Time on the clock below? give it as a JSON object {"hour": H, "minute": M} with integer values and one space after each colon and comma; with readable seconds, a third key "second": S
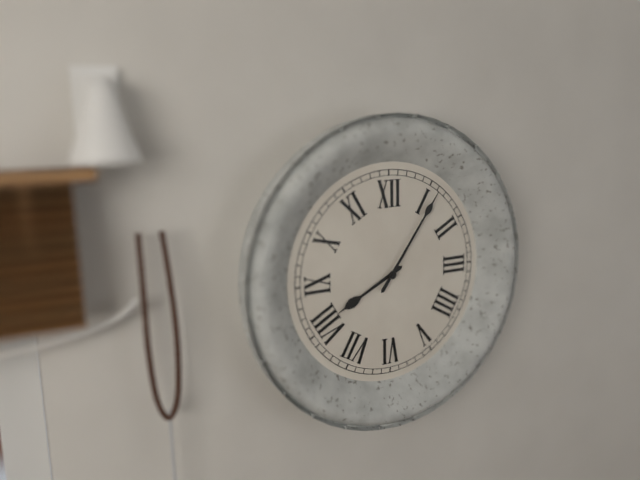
{"hour": 8, "minute": 6}
